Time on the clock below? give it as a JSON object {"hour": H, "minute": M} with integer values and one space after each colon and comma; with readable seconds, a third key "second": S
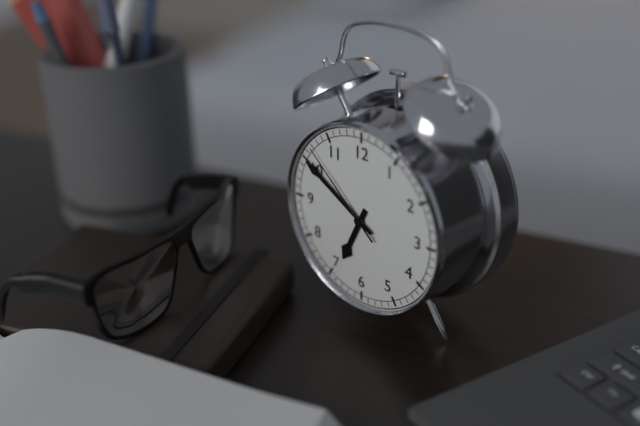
{"hour": 6, "minute": 50, "second": 52}
